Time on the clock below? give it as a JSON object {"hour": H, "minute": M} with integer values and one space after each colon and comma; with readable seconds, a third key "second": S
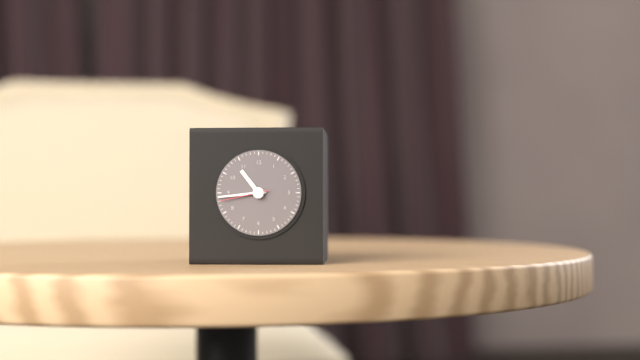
{"hour": 10, "minute": 44}
